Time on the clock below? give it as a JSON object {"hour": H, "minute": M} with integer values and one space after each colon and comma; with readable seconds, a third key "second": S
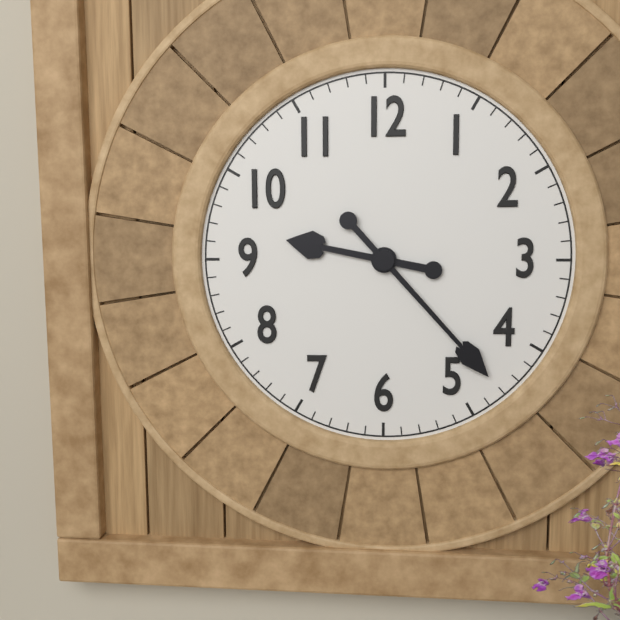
{"hour": 9, "minute": 23}
